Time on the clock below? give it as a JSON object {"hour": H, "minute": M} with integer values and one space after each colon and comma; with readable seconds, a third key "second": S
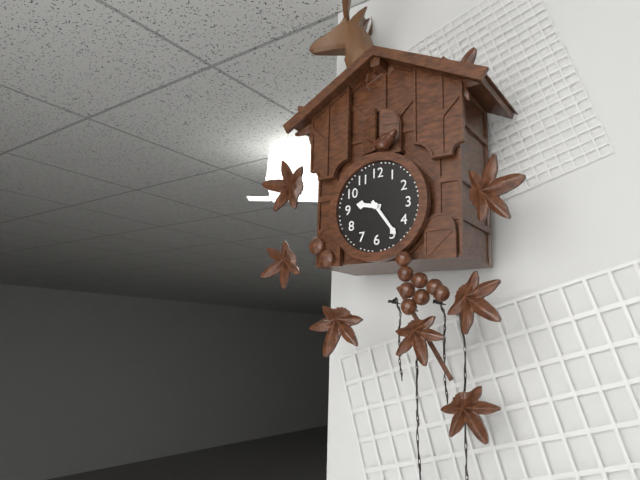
{"hour": 9, "minute": 24}
